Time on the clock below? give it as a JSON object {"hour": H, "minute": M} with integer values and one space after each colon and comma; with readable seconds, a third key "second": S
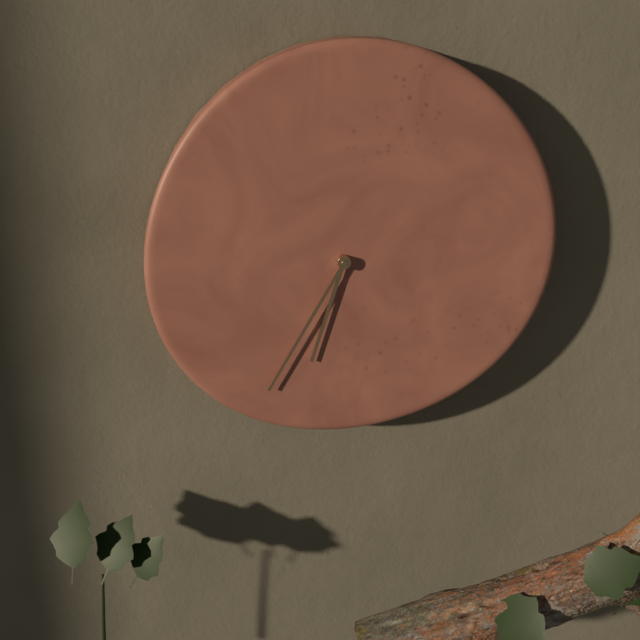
{"hour": 6, "minute": 35}
